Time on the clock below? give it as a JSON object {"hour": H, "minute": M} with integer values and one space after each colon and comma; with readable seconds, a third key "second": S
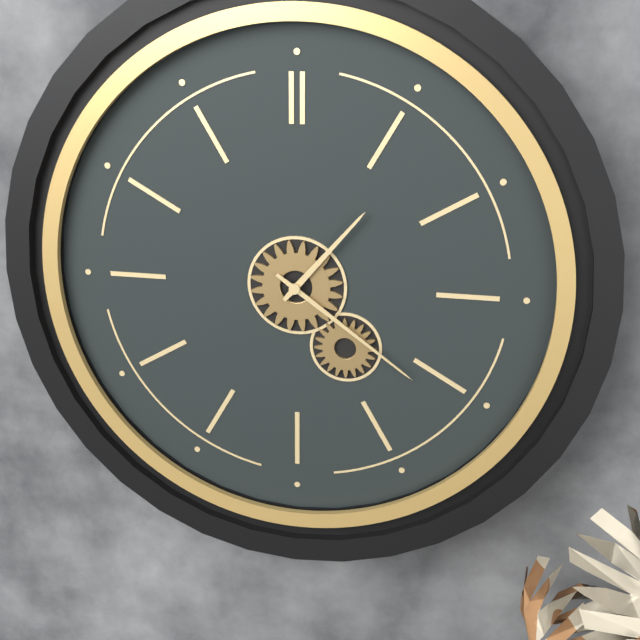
{"hour": 1, "minute": 21}
